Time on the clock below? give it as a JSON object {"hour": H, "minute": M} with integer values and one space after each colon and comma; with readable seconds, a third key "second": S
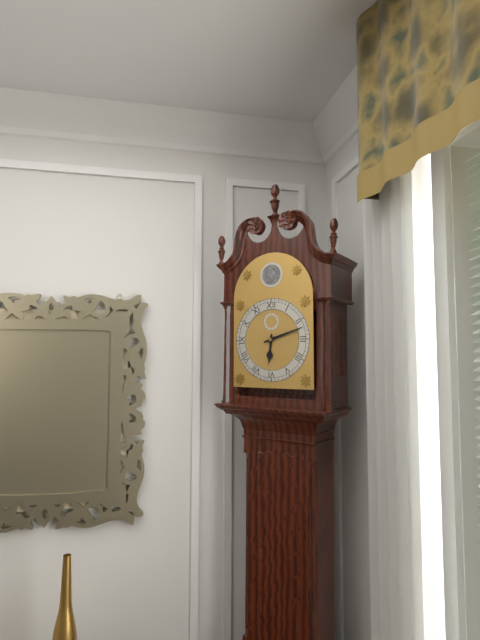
{"hour": 6, "minute": 12}
